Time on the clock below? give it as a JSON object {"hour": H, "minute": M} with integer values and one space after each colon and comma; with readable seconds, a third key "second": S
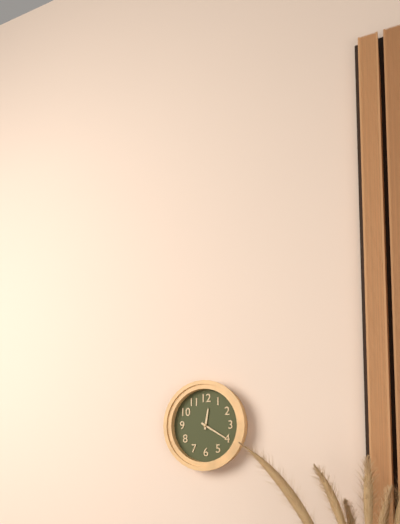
{"hour": 12, "minute": 20}
